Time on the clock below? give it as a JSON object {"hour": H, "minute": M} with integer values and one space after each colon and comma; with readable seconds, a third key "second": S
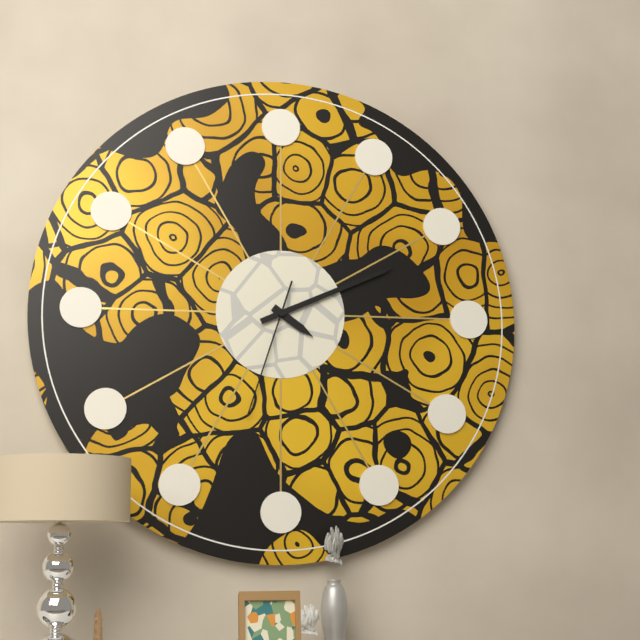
{"hour": 4, "minute": 11, "second": 33}
